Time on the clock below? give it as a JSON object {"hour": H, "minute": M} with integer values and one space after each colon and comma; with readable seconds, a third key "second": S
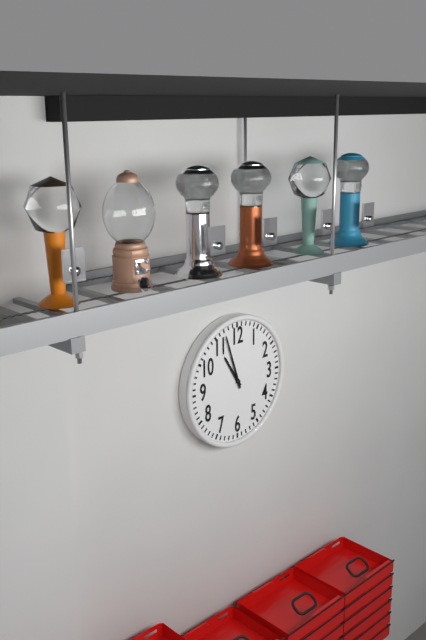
{"hour": 10, "minute": 57}
